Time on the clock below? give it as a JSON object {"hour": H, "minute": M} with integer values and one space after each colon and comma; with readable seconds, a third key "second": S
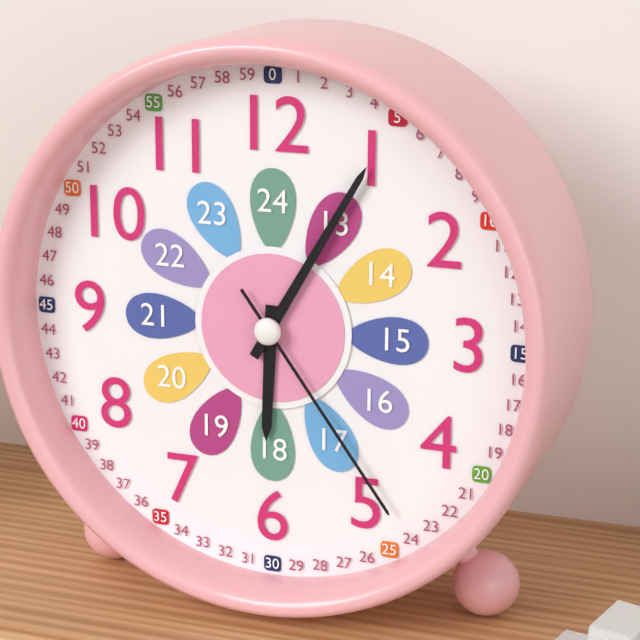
{"hour": 6, "minute": 5, "second": 24}
